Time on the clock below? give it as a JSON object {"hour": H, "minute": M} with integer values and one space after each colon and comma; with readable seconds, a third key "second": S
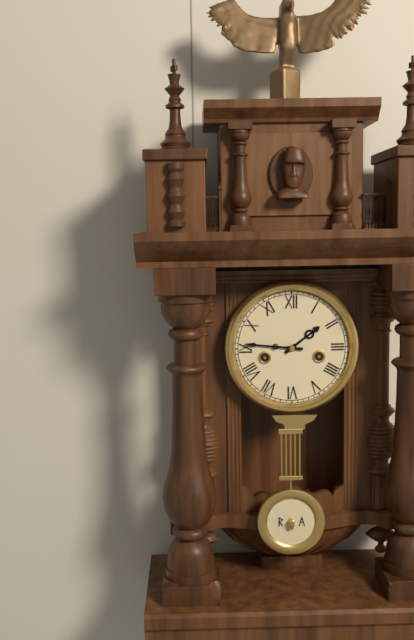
{"hour": 1, "minute": 46}
